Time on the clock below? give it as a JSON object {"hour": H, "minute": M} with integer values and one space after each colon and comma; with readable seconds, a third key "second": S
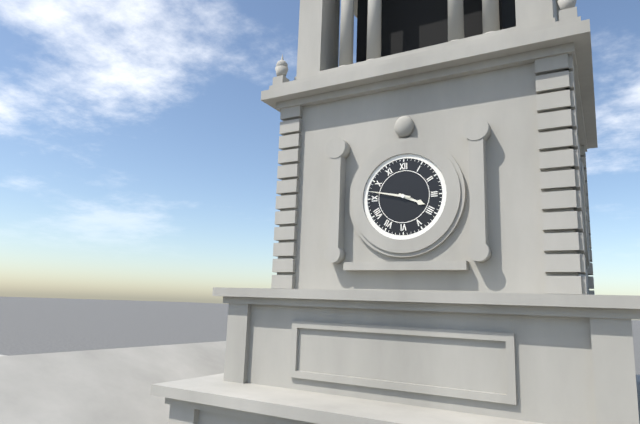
{"hour": 3, "minute": 47}
